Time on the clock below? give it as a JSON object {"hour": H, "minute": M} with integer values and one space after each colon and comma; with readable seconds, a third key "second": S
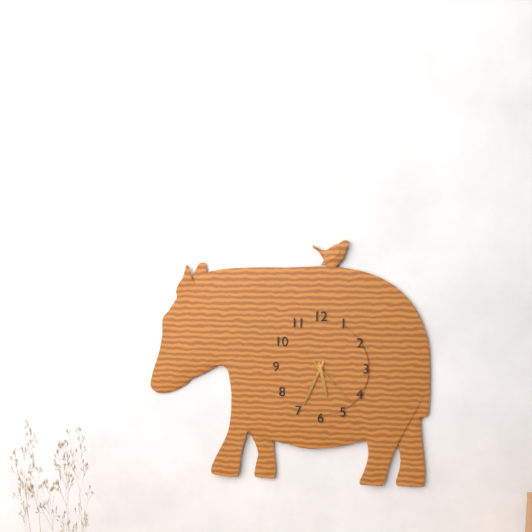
{"hour": 5, "minute": 34, "second": 23}
